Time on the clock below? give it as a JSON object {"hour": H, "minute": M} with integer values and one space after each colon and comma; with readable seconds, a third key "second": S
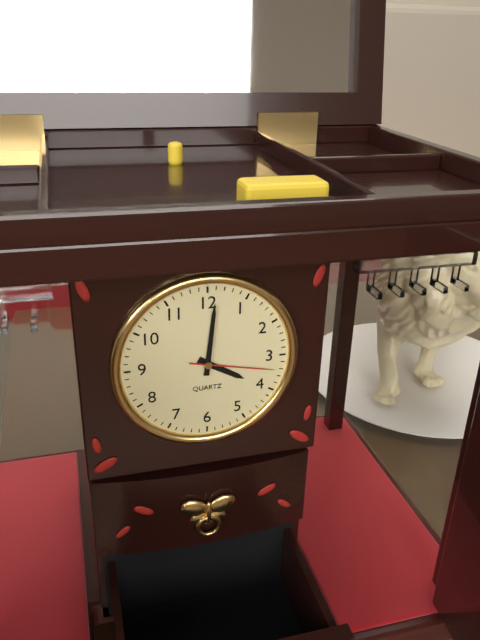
{"hour": 4, "minute": 1, "second": 17}
